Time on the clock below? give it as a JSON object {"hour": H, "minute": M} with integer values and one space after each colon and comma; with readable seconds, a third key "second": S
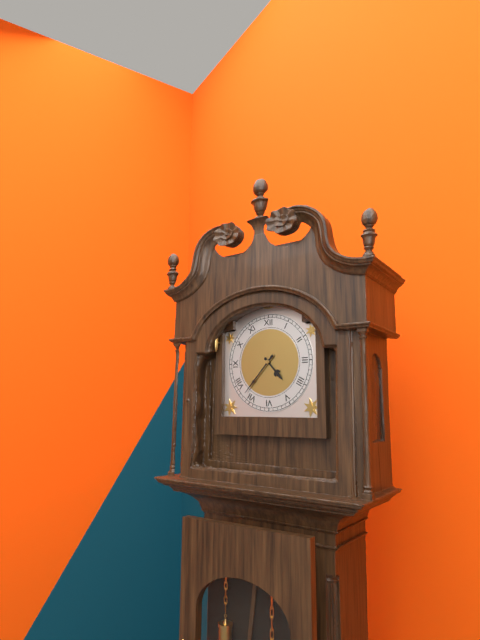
{"hour": 4, "minute": 37}
